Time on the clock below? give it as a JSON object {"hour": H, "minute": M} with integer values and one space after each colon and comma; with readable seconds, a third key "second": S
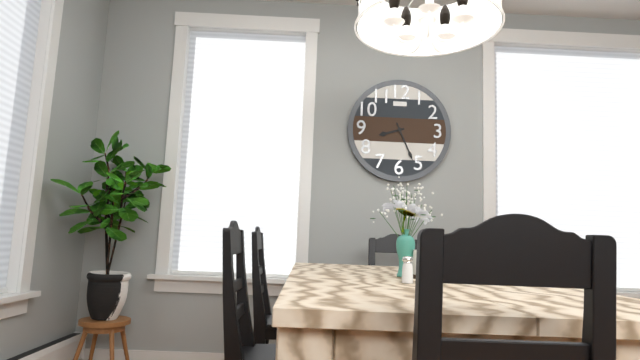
{"hour": 8, "minute": 26}
